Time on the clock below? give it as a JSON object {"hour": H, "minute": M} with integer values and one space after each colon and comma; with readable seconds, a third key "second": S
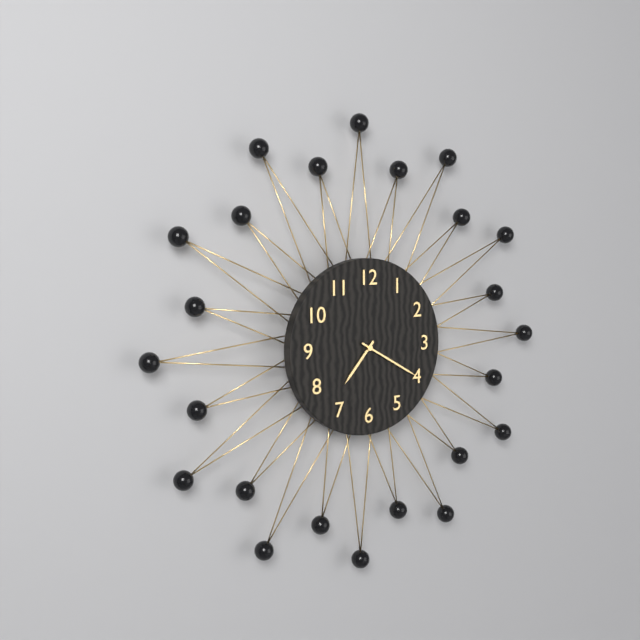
{"hour": 7, "minute": 20}
